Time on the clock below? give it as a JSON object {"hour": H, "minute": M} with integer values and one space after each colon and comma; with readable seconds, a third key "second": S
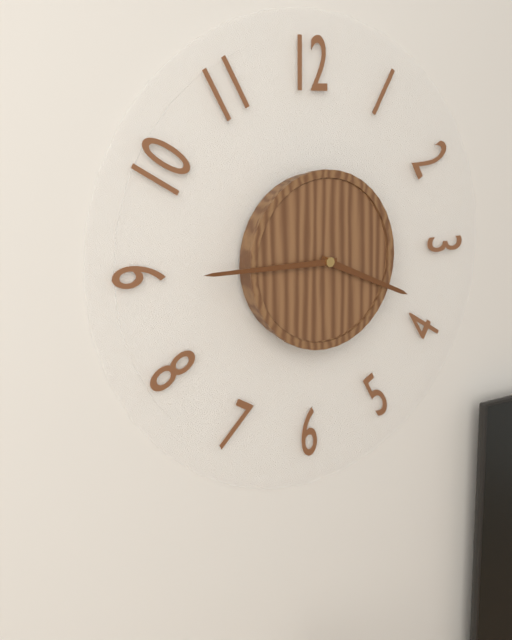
{"hour": 3, "minute": 45}
